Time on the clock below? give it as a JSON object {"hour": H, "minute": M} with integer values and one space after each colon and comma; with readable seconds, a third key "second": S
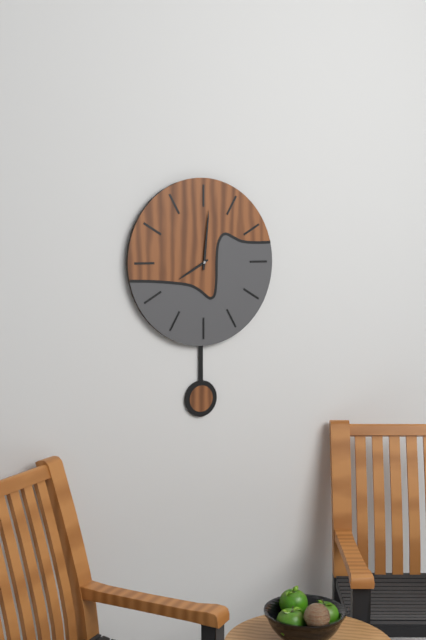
{"hour": 8, "minute": 1}
